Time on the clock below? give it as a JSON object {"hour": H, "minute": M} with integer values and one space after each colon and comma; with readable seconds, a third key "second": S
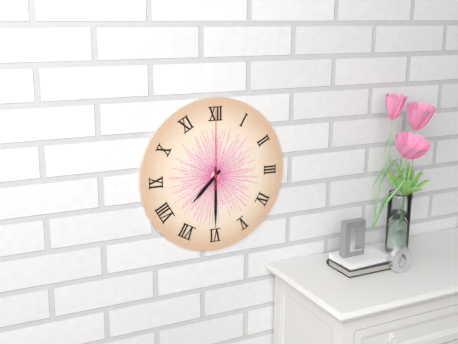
{"hour": 7, "minute": 30, "second": 0}
